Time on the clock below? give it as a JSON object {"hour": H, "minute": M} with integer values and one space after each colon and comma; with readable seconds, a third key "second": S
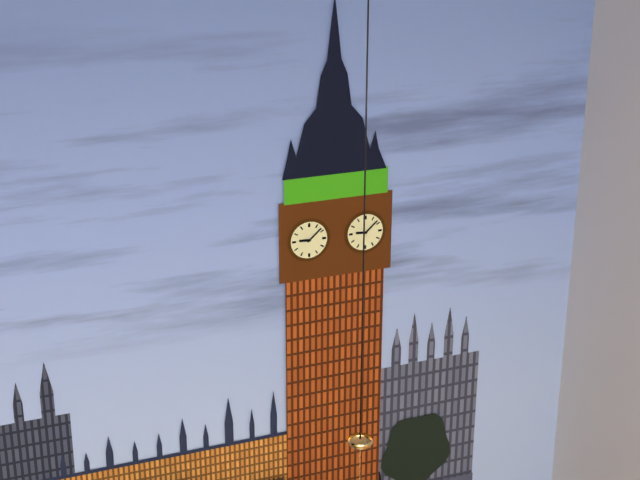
{"hour": 9, "minute": 8}
